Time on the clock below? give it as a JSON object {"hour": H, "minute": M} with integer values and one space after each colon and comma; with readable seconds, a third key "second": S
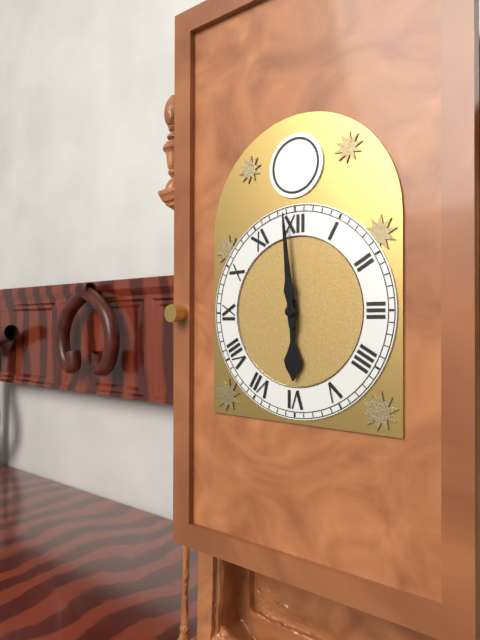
{"hour": 5, "minute": 59}
